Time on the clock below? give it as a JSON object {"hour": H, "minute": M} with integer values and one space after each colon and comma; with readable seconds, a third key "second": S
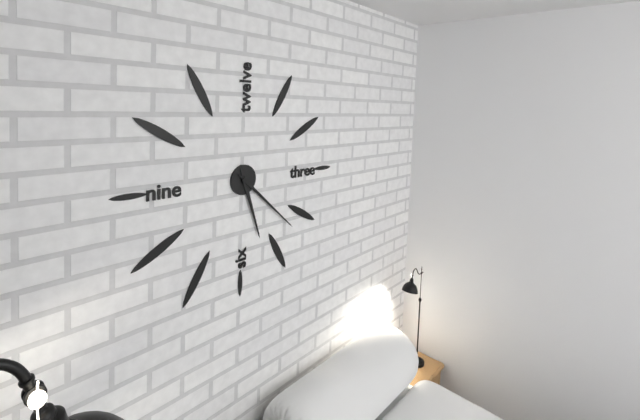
{"hour": 5, "minute": 22}
